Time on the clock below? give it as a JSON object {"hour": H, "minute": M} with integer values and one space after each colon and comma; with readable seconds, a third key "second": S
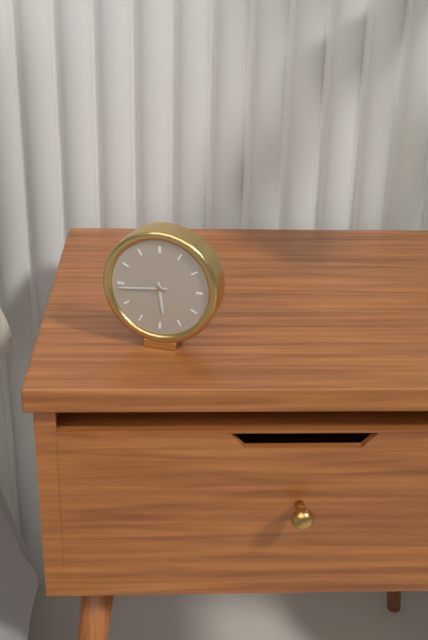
{"hour": 5, "minute": 44}
